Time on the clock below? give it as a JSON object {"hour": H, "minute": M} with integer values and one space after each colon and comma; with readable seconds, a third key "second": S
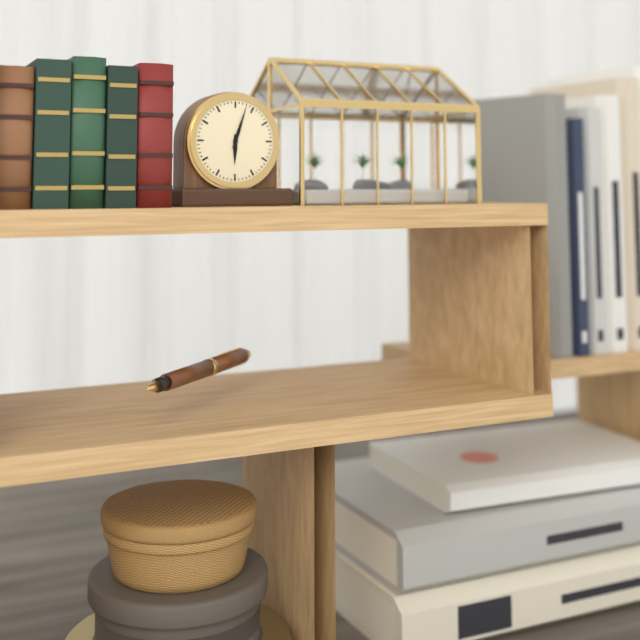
{"hour": 6, "minute": 3}
